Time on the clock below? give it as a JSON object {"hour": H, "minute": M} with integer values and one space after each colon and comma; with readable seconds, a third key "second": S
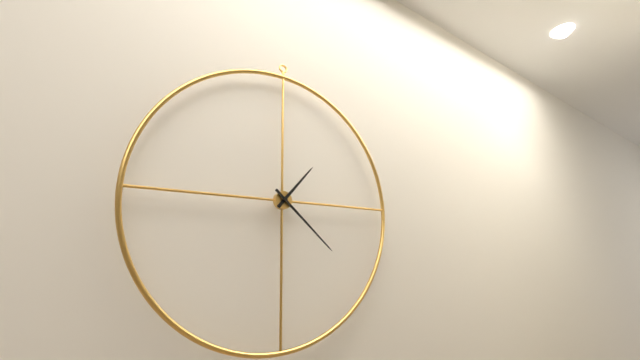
{"hour": 1, "minute": 22}
